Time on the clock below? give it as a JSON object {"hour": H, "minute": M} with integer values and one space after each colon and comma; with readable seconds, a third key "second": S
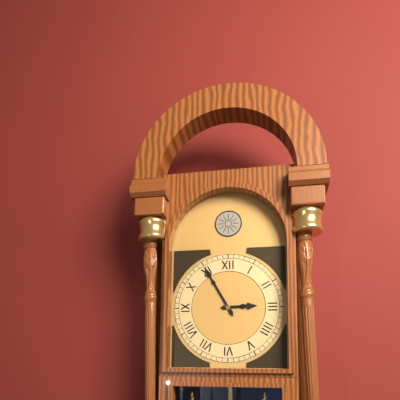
{"hour": 2, "minute": 55}
